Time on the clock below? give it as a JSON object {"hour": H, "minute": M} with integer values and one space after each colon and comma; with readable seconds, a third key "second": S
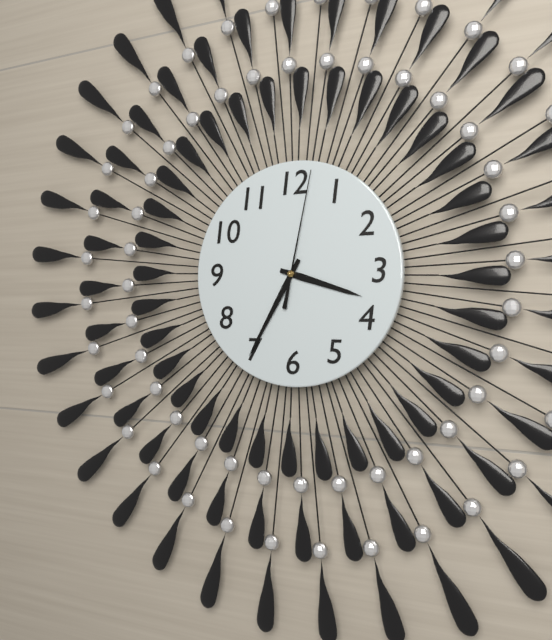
{"hour": 3, "minute": 35, "second": 2}
